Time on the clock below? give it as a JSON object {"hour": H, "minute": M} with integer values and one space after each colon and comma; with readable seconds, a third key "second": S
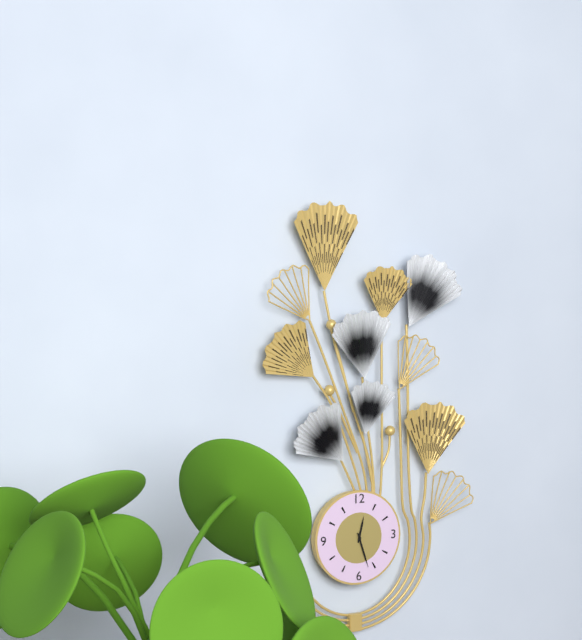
{"hour": 12, "minute": 27}
